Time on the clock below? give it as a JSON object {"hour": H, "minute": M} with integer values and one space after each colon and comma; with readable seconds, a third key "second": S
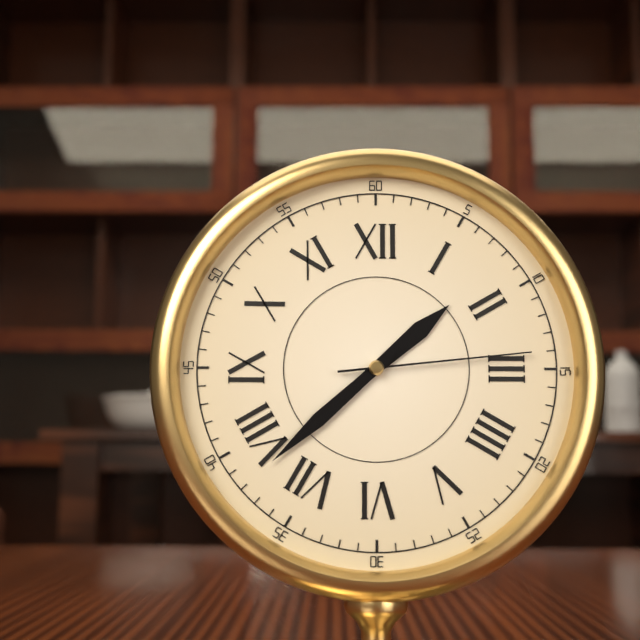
{"hour": 1, "minute": 38, "second": 14}
